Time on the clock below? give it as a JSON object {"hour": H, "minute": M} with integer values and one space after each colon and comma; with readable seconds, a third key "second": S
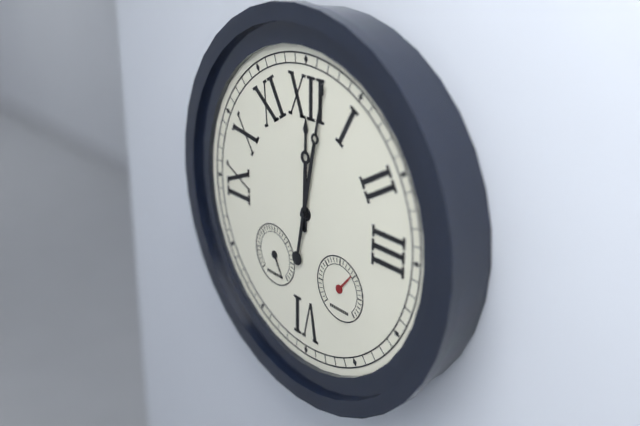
{"hour": 12, "minute": 2}
